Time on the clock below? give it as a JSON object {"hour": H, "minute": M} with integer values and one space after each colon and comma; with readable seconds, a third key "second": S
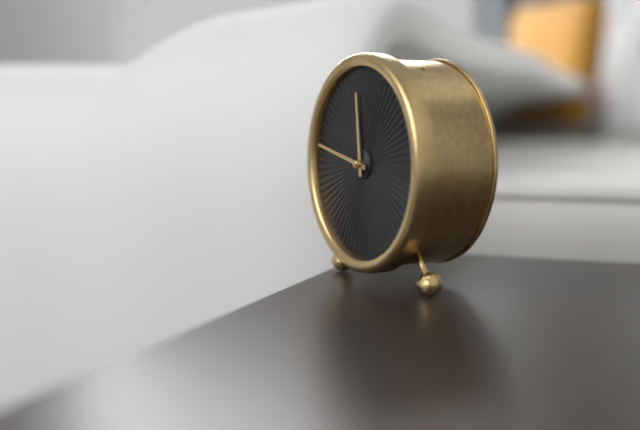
{"hour": 11, "minute": 47}
